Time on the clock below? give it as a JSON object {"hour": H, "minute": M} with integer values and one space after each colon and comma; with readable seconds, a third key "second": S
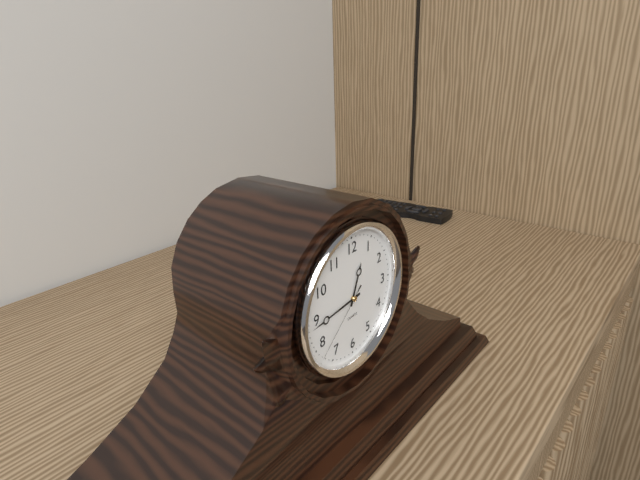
{"hour": 12, "minute": 44, "second": 38}
